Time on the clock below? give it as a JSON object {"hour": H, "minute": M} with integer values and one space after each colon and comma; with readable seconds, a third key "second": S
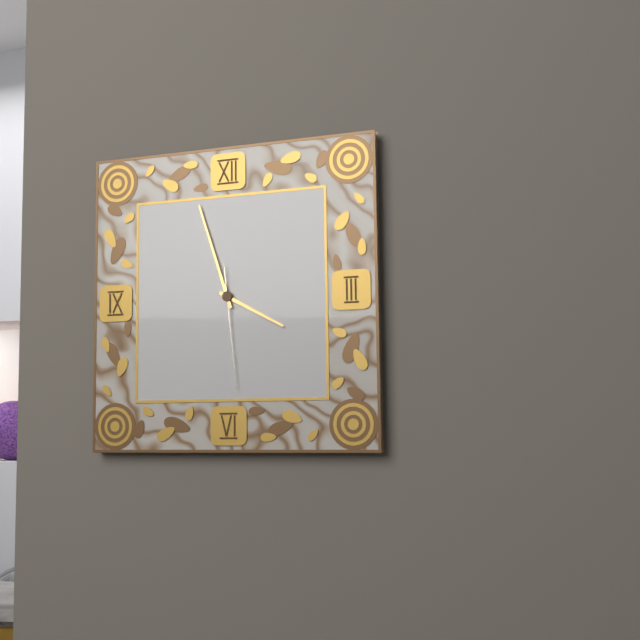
{"hour": 3, "minute": 57, "second": 29}
